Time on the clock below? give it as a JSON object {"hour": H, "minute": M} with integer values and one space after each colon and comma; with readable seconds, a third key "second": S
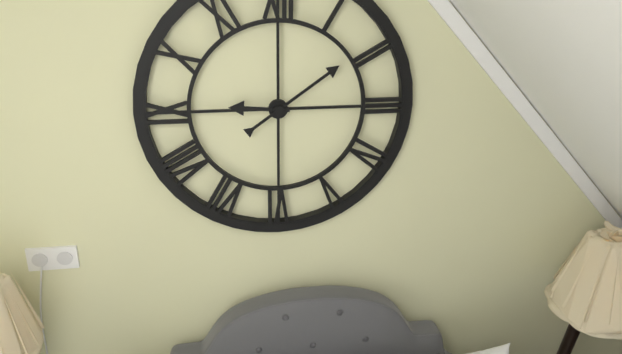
{"hour": 9, "minute": 9}
